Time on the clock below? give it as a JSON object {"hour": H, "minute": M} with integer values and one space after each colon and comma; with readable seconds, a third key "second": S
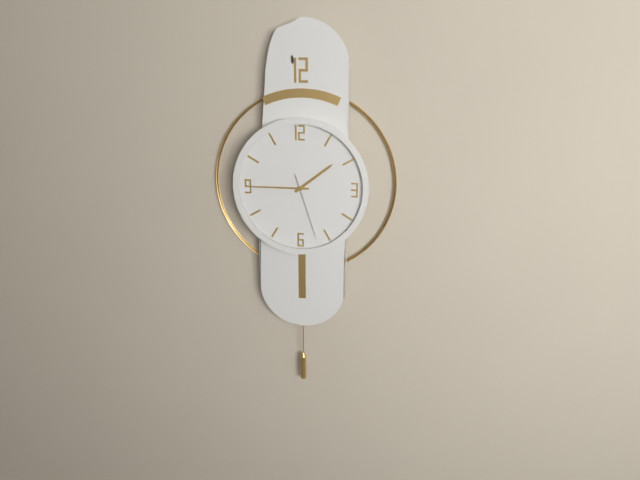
{"hour": 1, "minute": 45, "second": 27}
